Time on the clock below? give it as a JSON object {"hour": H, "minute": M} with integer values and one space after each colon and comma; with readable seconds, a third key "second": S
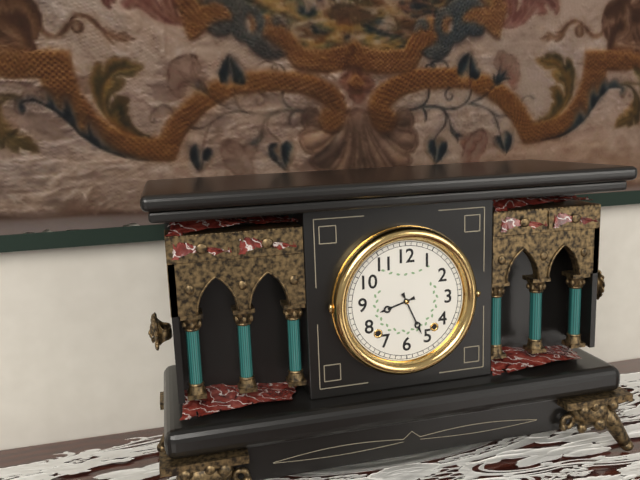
{"hour": 8, "minute": 26}
